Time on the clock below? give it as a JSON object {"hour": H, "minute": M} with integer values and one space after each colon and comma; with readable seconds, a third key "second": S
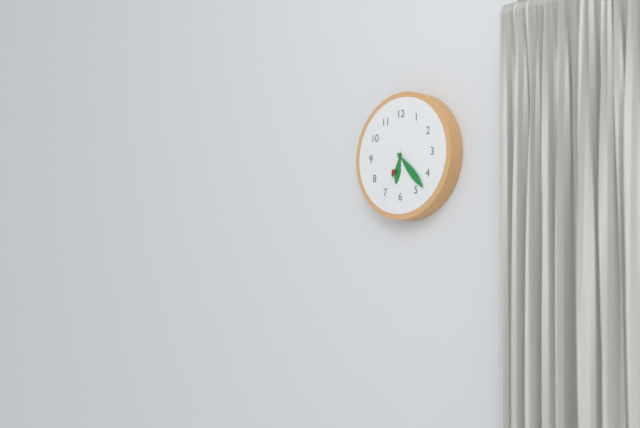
{"hour": 6, "minute": 23, "second": 34}
